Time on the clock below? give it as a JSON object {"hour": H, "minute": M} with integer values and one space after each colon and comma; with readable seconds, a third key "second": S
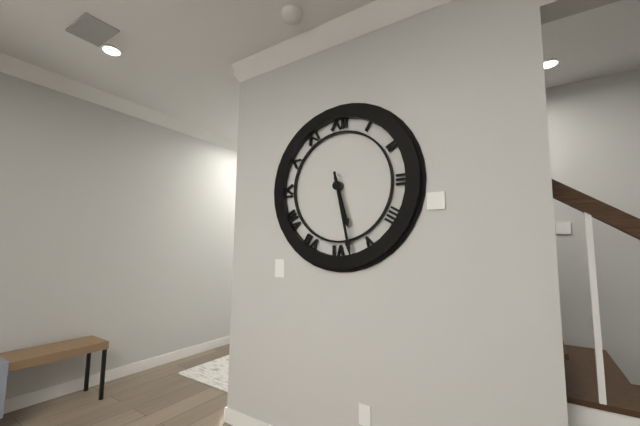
{"hour": 5, "minute": 28}
